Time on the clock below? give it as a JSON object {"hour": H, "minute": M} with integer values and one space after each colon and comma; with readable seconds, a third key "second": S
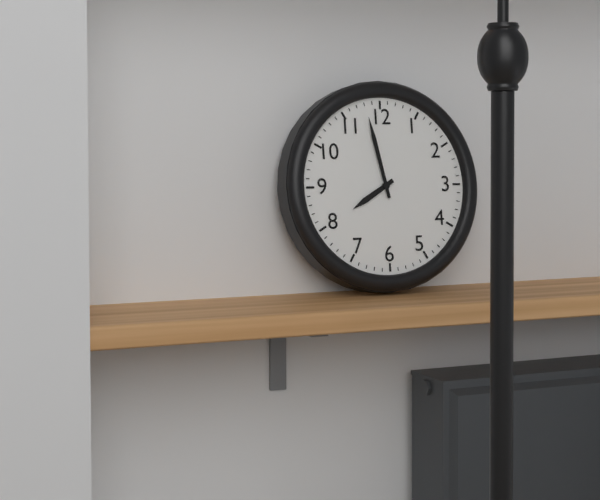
{"hour": 7, "minute": 58}
